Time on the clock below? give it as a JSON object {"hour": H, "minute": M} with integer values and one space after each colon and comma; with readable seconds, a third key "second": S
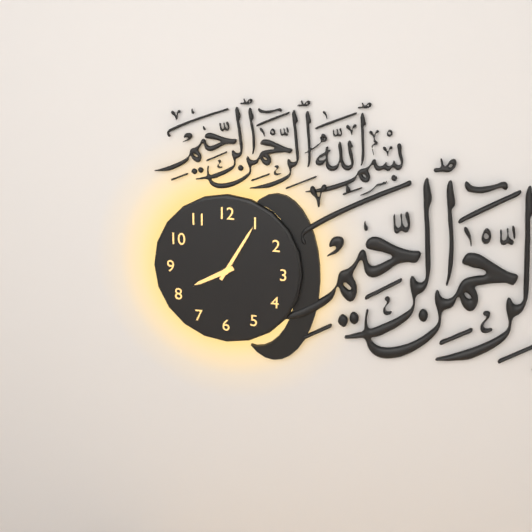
{"hour": 8, "minute": 5}
